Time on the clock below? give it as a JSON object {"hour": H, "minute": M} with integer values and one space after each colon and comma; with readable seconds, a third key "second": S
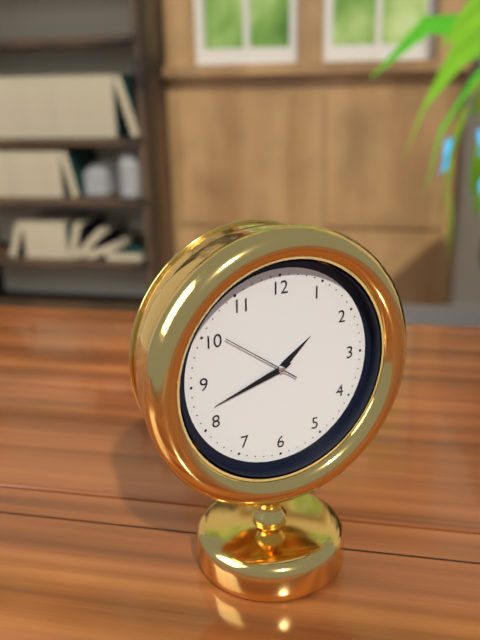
{"hour": 1, "minute": 42, "second": 51}
